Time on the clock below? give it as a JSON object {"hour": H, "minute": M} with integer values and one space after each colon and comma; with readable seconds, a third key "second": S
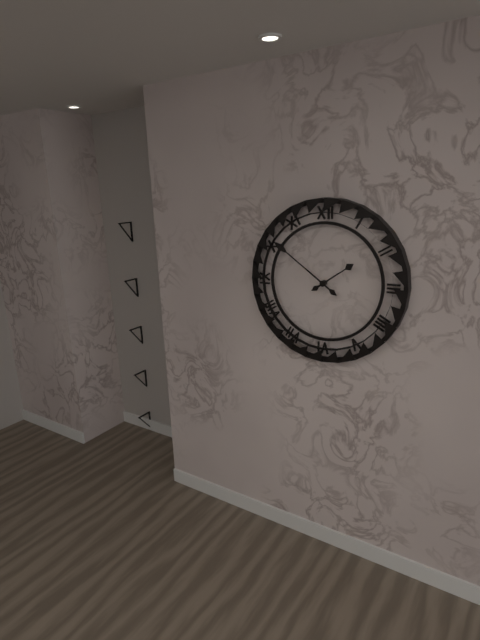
{"hour": 1, "minute": 51}
